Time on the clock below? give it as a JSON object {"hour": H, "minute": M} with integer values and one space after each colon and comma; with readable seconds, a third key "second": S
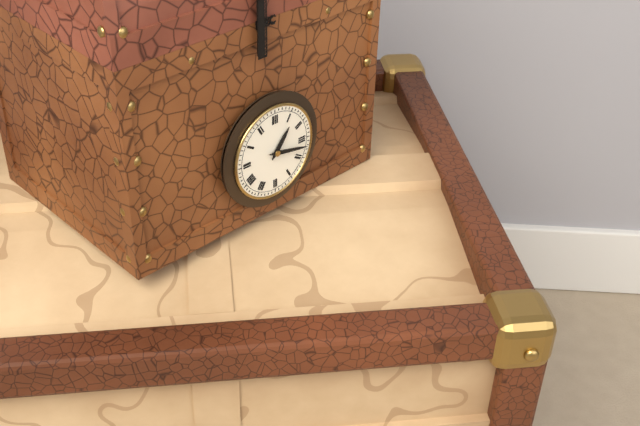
{"hour": 1, "minute": 17}
